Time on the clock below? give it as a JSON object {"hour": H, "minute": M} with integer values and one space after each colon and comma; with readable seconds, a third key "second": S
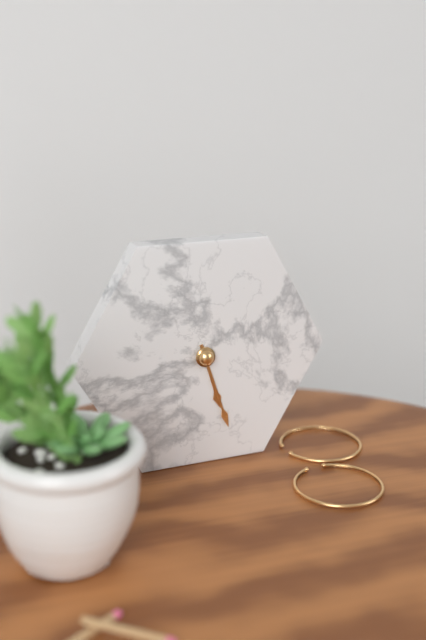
{"hour": 5, "minute": 27}
